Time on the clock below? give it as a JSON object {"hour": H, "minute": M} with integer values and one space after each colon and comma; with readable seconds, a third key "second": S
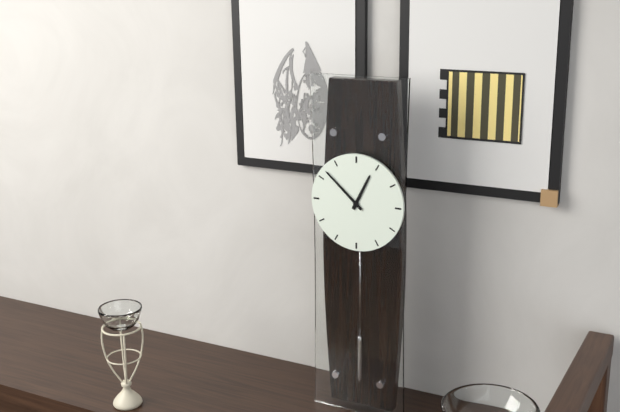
{"hour": 12, "minute": 52}
